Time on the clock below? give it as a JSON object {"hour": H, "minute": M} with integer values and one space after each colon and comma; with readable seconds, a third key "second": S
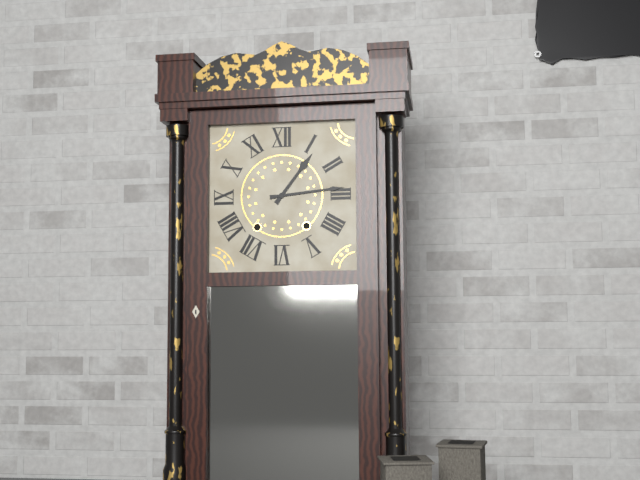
{"hour": 1, "minute": 14}
